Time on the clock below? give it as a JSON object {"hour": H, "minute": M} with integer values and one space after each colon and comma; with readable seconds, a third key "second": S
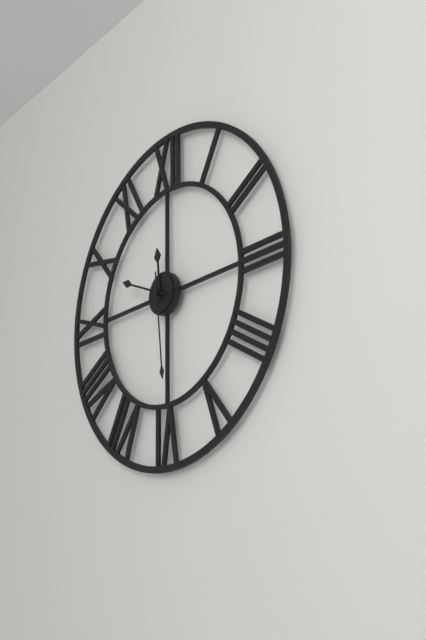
{"hour": 11, "minute": 49, "second": 29}
